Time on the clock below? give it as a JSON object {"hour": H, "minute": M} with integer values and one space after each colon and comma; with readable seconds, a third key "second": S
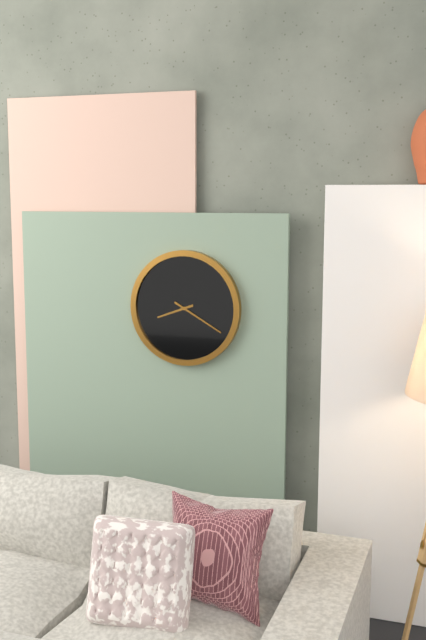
{"hour": 8, "minute": 20}
